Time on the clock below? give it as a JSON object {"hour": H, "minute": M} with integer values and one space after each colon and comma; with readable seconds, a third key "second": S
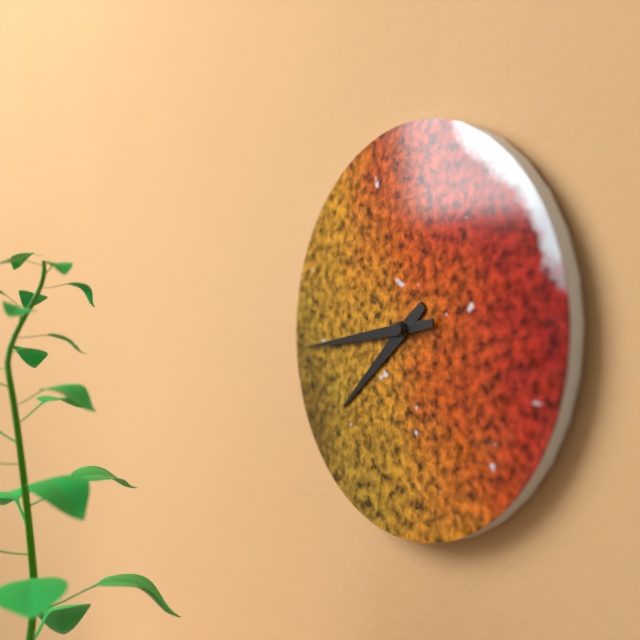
{"hour": 7, "minute": 44}
